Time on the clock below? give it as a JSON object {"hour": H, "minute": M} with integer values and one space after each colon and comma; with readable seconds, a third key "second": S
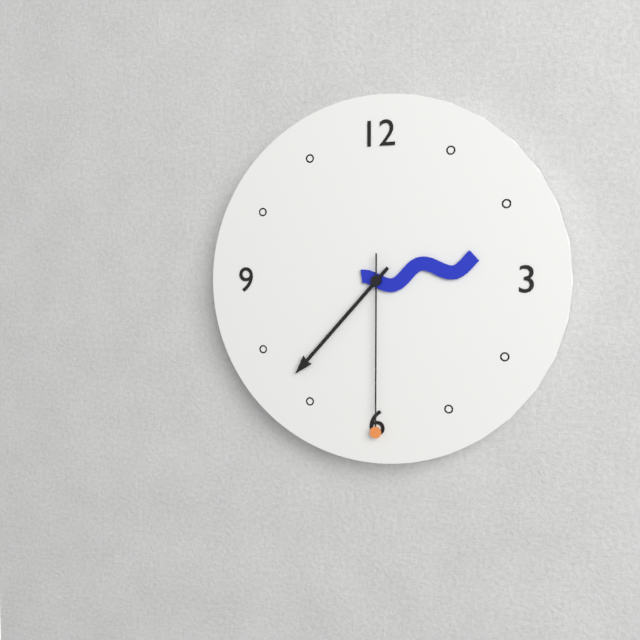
{"hour": 2, "minute": 37, "second": 30}
